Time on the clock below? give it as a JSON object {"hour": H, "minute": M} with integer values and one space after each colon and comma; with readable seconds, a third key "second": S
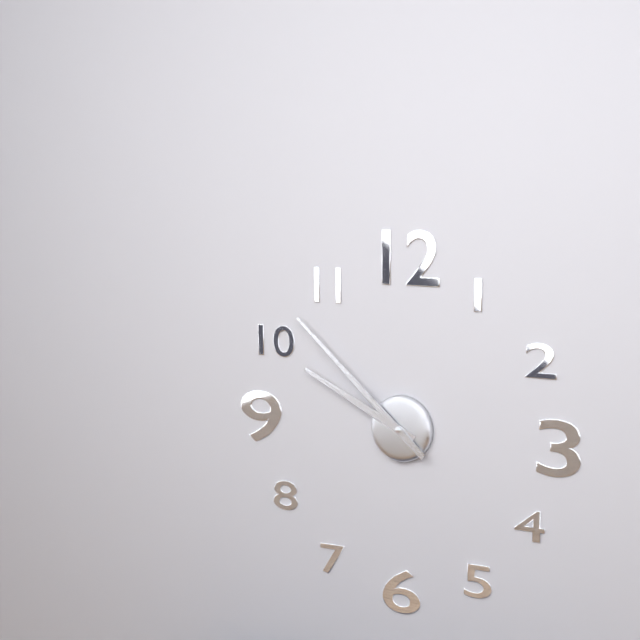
{"hour": 9, "minute": 52}
